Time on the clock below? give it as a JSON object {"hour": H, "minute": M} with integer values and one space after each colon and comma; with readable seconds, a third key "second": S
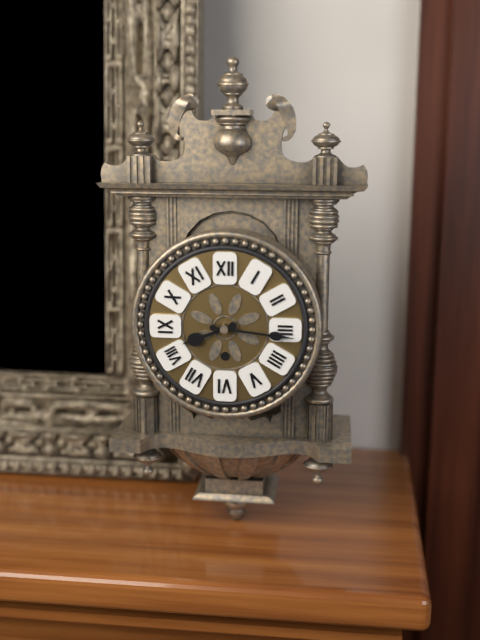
{"hour": 8, "minute": 16}
